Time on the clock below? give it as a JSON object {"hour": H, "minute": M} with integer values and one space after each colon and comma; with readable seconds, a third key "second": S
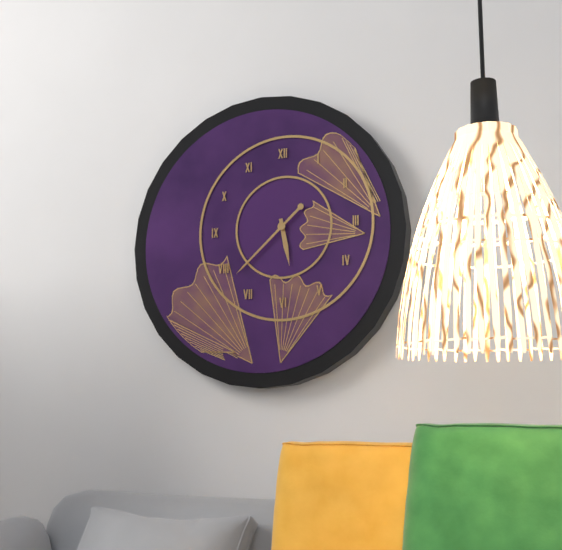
{"hour": 5, "minute": 38}
